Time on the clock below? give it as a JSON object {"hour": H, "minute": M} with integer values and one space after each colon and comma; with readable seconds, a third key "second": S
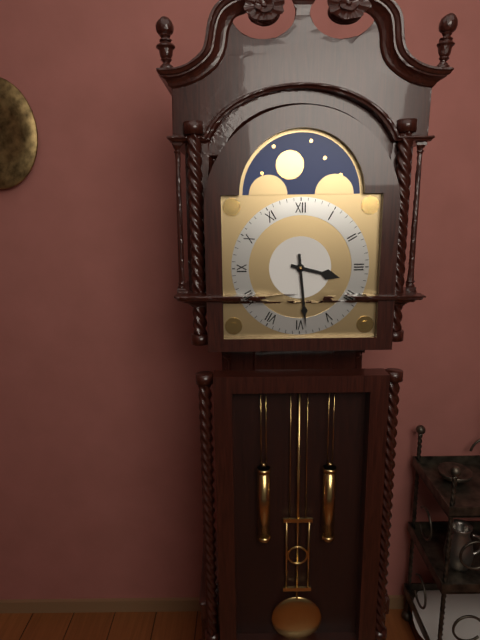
{"hour": 3, "minute": 29}
